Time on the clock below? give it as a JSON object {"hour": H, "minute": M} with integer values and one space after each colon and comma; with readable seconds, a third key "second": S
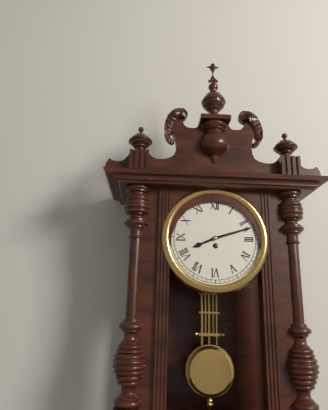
{"hour": 8, "minute": 12}
